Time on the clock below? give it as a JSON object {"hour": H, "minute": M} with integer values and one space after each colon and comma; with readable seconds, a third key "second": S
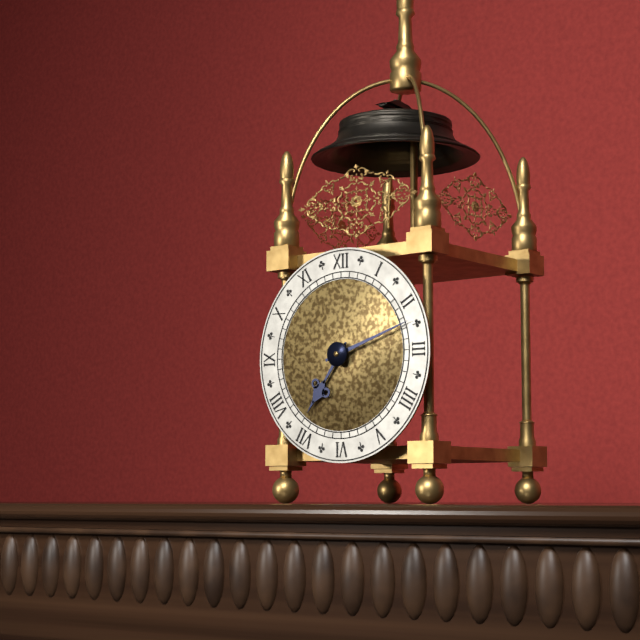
{"hour": 7, "minute": 12}
